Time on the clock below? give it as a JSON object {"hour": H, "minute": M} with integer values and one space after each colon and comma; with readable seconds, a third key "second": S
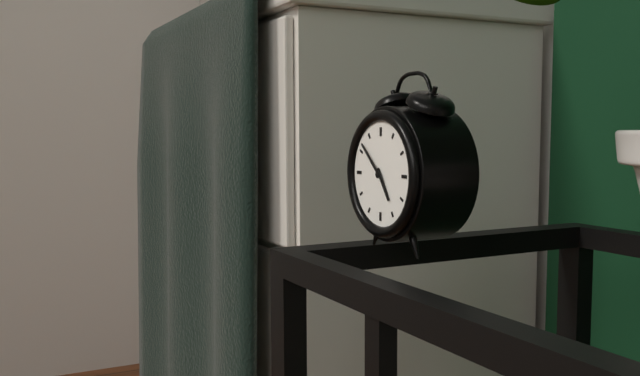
{"hour": 4, "minute": 52}
